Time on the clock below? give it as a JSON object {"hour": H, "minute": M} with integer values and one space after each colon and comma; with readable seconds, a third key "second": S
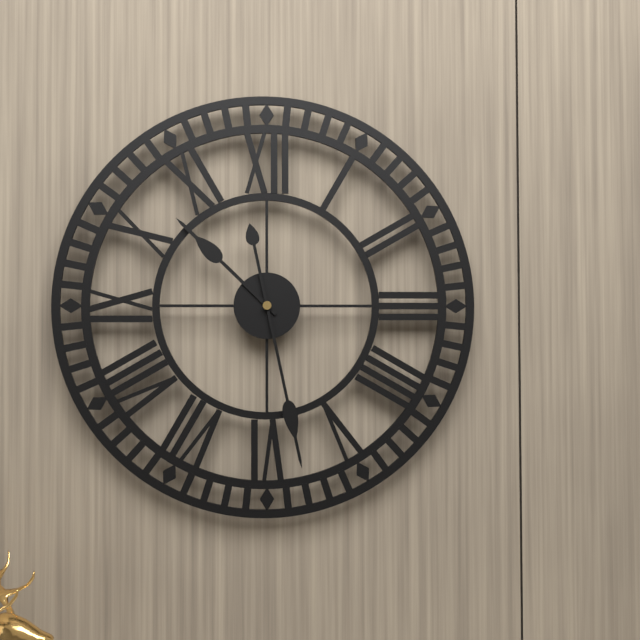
{"hour": 10, "minute": 28}
